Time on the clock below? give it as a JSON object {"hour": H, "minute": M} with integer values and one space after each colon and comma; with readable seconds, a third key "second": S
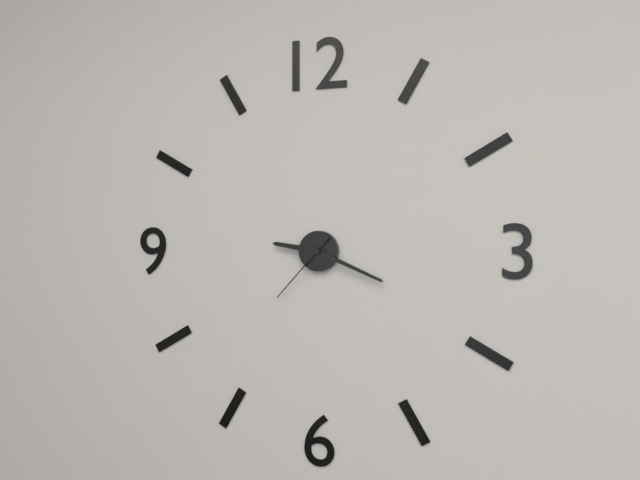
{"hour": 9, "minute": 19, "second": 37}
